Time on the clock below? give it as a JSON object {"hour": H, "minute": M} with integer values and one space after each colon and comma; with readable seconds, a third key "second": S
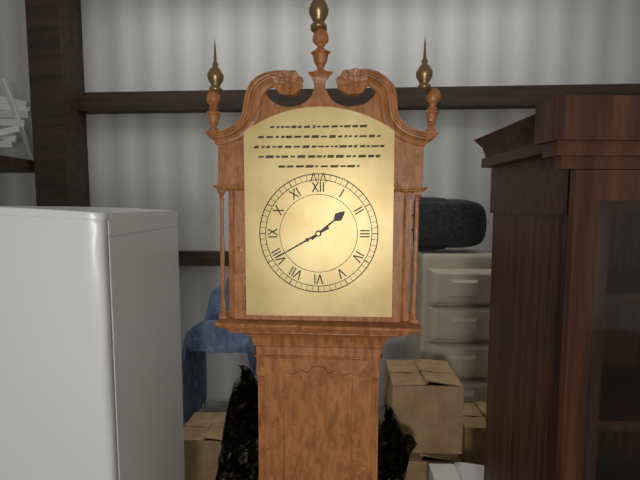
{"hour": 1, "minute": 40}
